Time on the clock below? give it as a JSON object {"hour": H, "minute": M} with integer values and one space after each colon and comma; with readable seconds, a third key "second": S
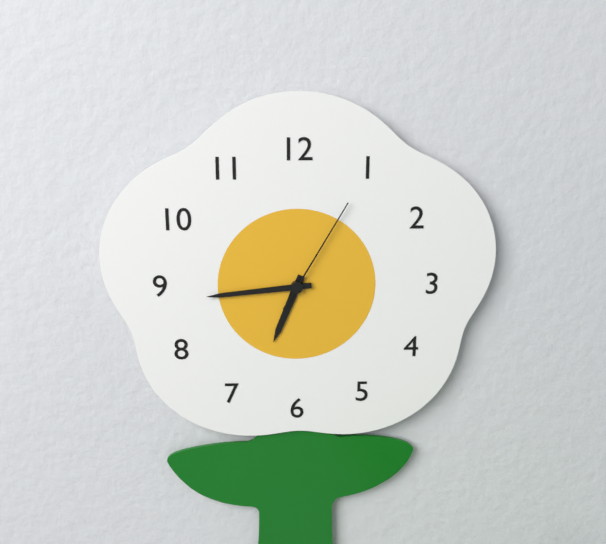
{"hour": 6, "minute": 44, "second": 5}
